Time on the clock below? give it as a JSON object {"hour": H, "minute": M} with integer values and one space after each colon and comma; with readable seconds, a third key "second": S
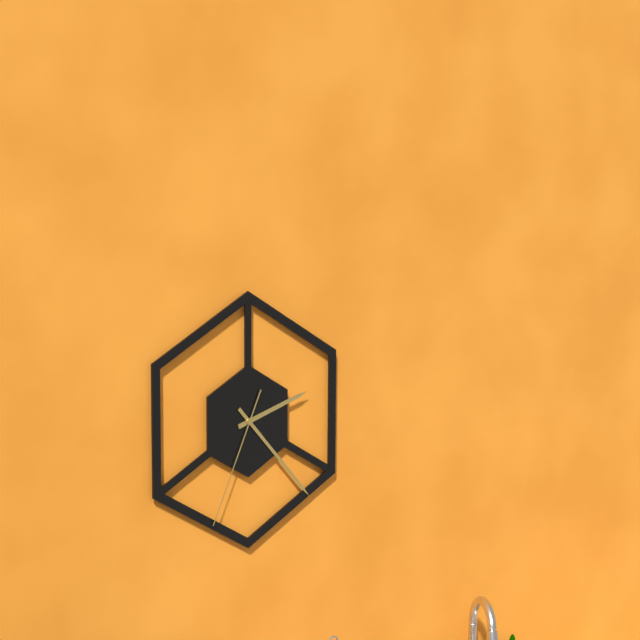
{"hour": 2, "minute": 23, "second": 34}
